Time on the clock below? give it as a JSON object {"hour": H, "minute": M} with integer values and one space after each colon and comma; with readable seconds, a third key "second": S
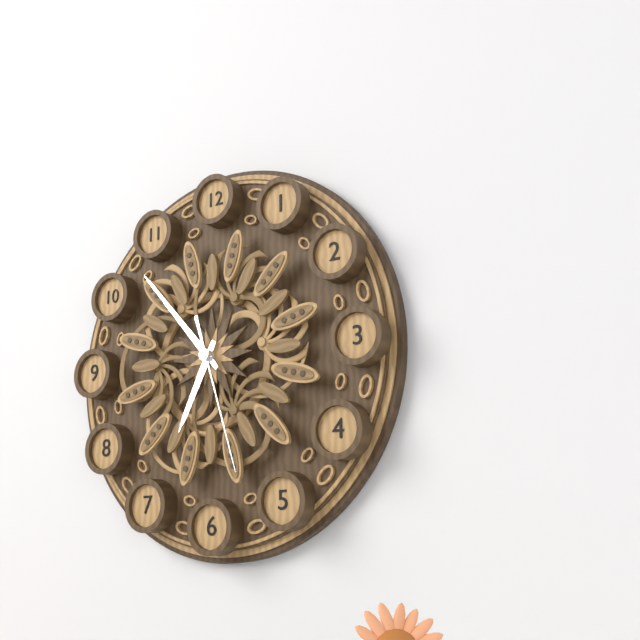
{"hour": 6, "minute": 53, "second": 27}
